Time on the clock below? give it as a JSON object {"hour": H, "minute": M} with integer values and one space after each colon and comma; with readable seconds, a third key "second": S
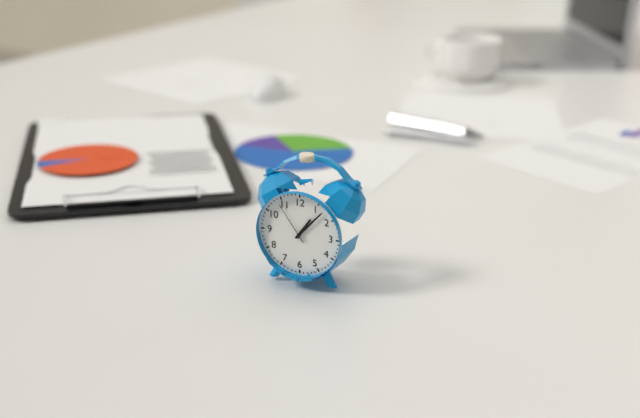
{"hour": 1, "minute": 7}
